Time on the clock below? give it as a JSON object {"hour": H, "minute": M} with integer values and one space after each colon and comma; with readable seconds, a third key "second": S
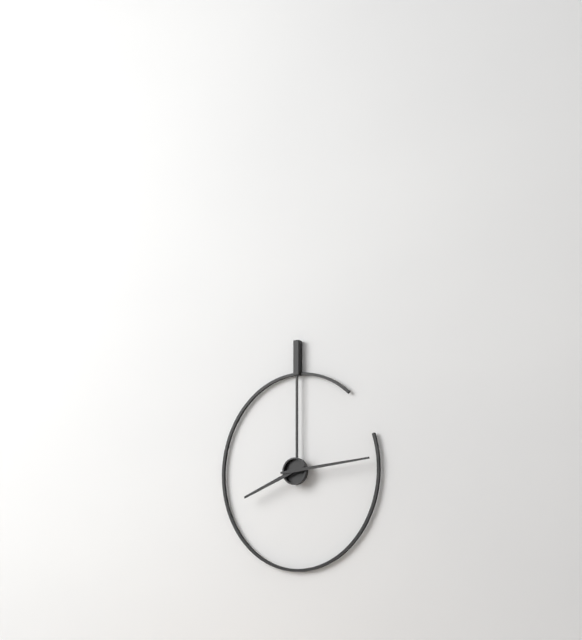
{"hour": 8, "minute": 14}
